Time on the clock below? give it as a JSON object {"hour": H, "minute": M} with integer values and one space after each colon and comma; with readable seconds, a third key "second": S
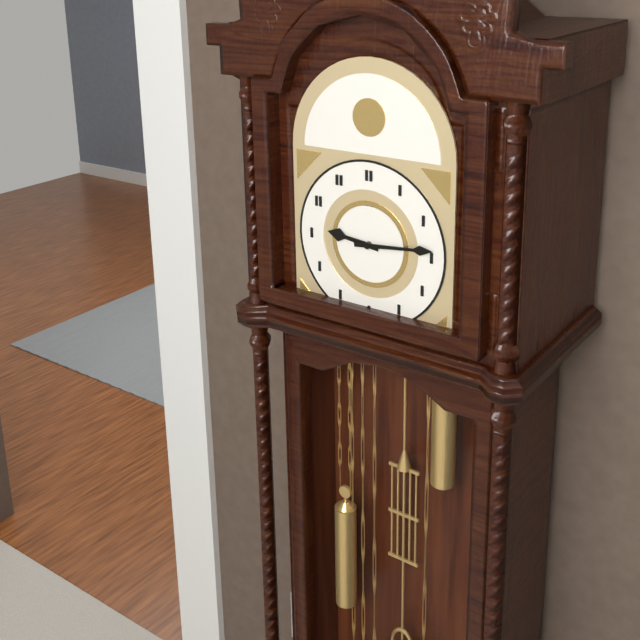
{"hour": 9, "minute": 14}
